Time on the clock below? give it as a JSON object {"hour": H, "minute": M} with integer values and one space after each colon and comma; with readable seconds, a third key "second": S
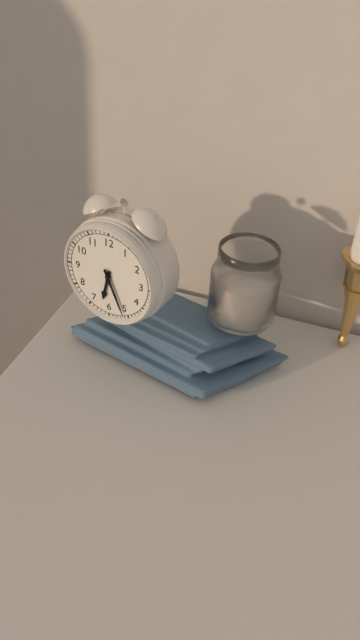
{"hour": 6, "minute": 26}
